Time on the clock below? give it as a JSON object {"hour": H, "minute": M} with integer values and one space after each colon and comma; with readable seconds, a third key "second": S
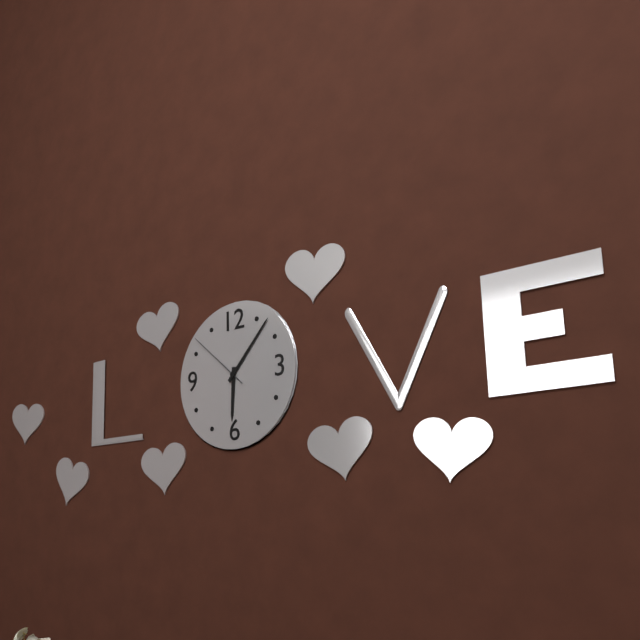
{"hour": 6, "minute": 7, "second": 52}
